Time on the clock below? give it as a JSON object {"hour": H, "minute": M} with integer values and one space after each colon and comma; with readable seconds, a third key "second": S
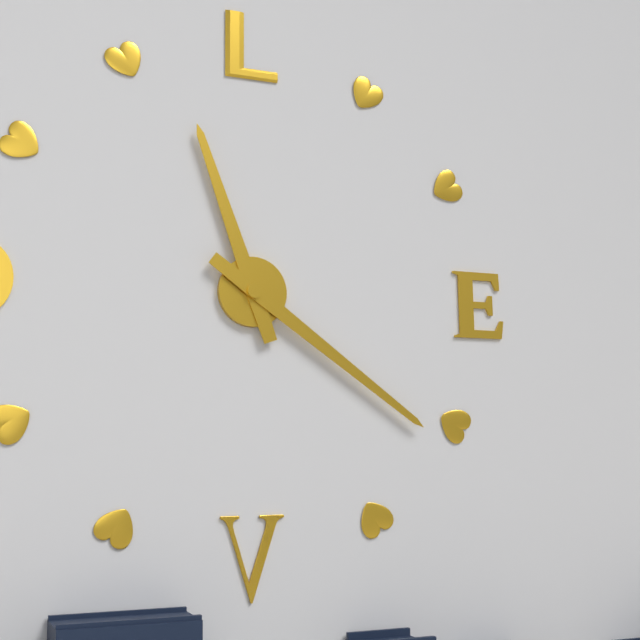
{"hour": 11, "minute": 21}
